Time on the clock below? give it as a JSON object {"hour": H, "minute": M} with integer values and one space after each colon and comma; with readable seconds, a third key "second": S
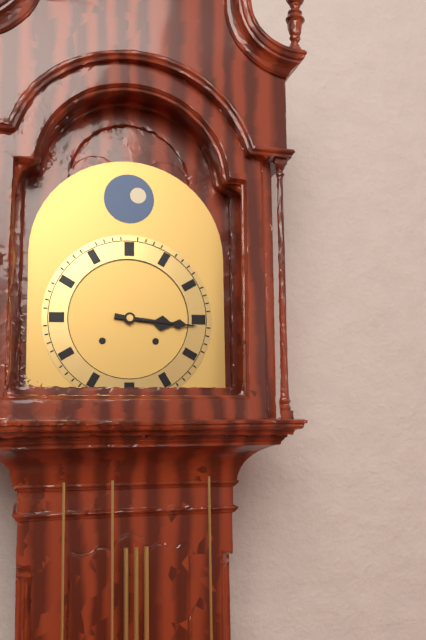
{"hour": 3, "minute": 16}
